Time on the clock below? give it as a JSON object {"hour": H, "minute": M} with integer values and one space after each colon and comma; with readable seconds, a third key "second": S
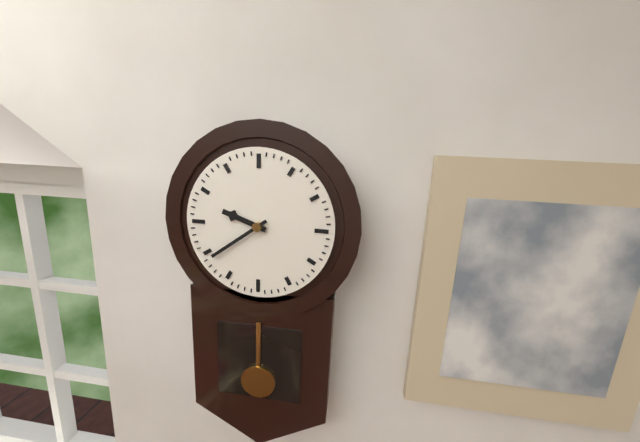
{"hour": 9, "minute": 39}
